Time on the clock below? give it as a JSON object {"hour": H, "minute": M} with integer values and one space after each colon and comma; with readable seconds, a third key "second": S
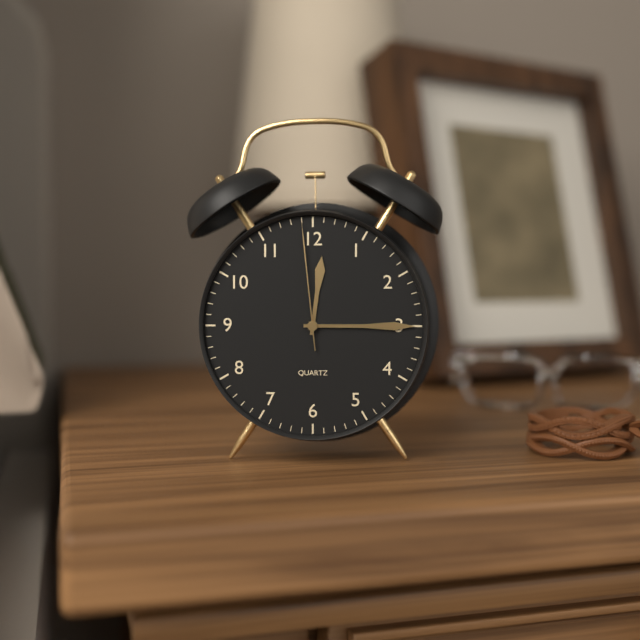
{"hour": 12, "minute": 15, "second": 59}
